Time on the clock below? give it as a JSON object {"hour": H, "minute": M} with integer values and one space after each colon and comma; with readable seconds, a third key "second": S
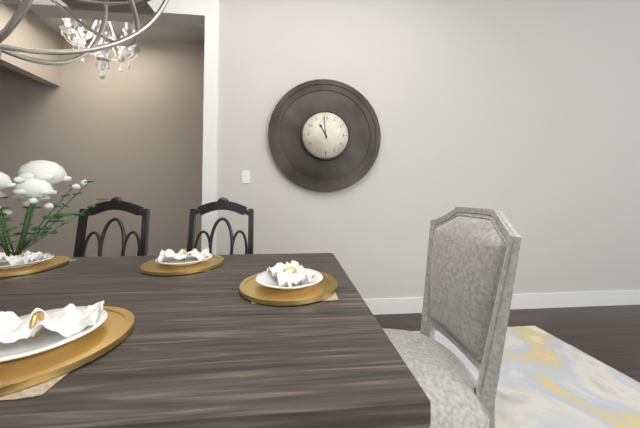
{"hour": 10, "minute": 59}
